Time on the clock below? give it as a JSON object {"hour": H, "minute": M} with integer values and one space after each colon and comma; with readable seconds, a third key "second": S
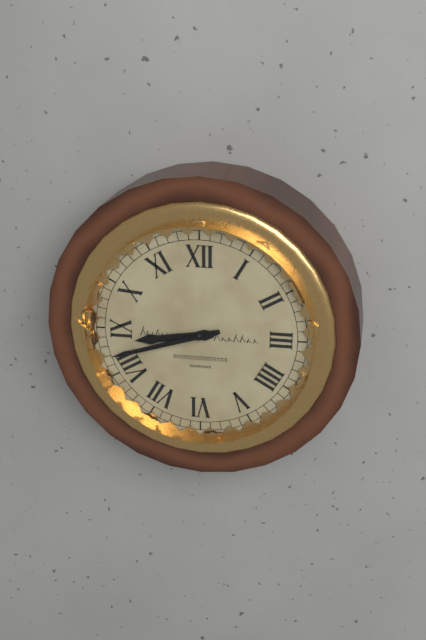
{"hour": 8, "minute": 42}
